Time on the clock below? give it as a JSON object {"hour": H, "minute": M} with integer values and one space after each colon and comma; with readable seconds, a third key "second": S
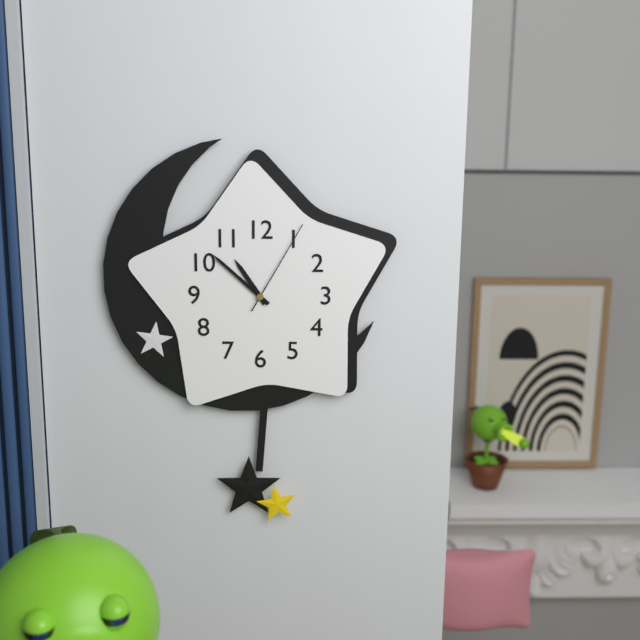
{"hour": 10, "minute": 52, "second": 5}
